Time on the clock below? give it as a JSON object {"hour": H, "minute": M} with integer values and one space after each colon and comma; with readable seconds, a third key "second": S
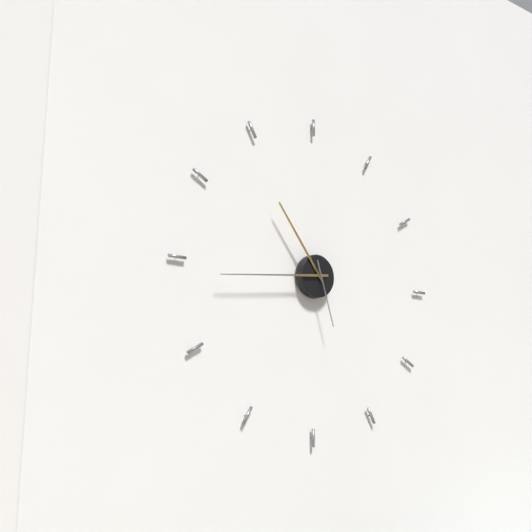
{"hour": 10, "minute": 44, "second": 27}
